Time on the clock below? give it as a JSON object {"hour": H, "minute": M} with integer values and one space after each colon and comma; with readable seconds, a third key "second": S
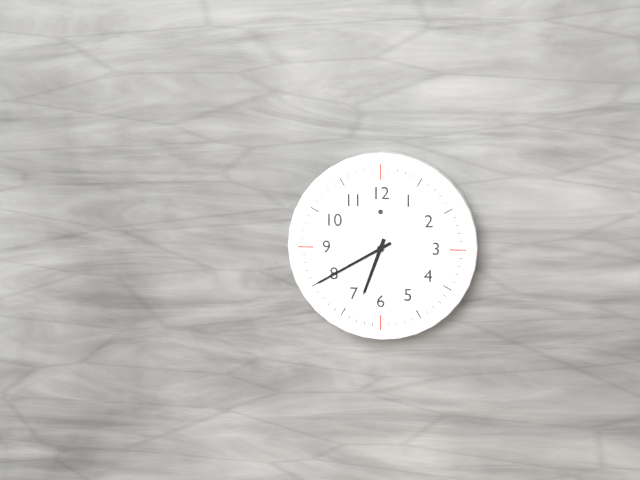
{"hour": 6, "minute": 40}
